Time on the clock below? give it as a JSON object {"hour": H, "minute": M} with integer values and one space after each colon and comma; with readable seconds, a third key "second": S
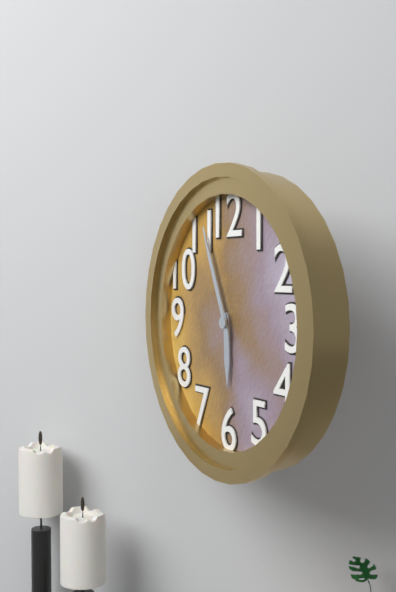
{"hour": 5, "minute": 56}
